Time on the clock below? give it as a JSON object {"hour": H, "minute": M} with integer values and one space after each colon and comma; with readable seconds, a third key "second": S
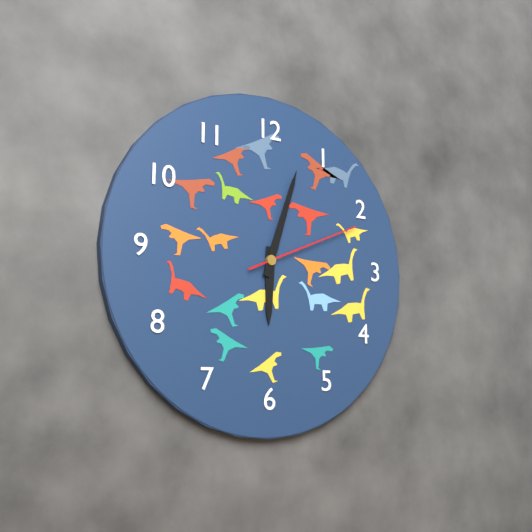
{"hour": 6, "minute": 3, "second": 11}
